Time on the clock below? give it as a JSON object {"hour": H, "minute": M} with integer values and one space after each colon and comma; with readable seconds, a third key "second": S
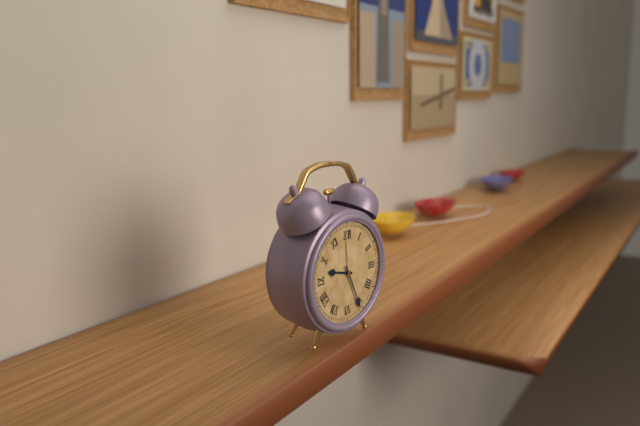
{"hour": 9, "minute": 26}
